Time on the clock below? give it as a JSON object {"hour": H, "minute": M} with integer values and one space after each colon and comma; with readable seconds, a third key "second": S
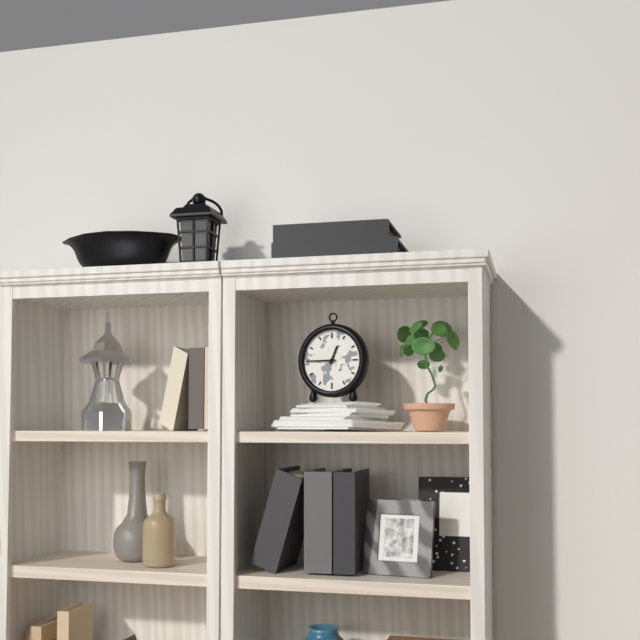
{"hour": 12, "minute": 45}
